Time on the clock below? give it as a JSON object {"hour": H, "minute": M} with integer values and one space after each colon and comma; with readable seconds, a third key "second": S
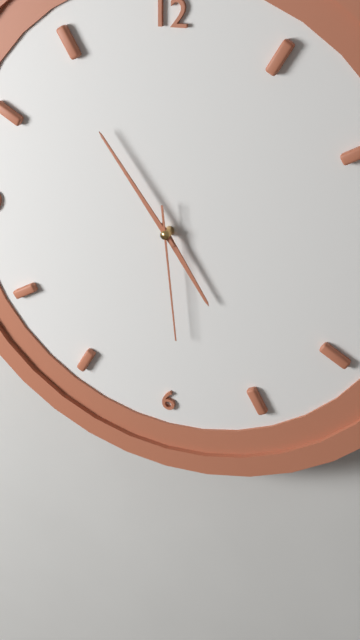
{"hour": 4, "minute": 54, "second": 29}
